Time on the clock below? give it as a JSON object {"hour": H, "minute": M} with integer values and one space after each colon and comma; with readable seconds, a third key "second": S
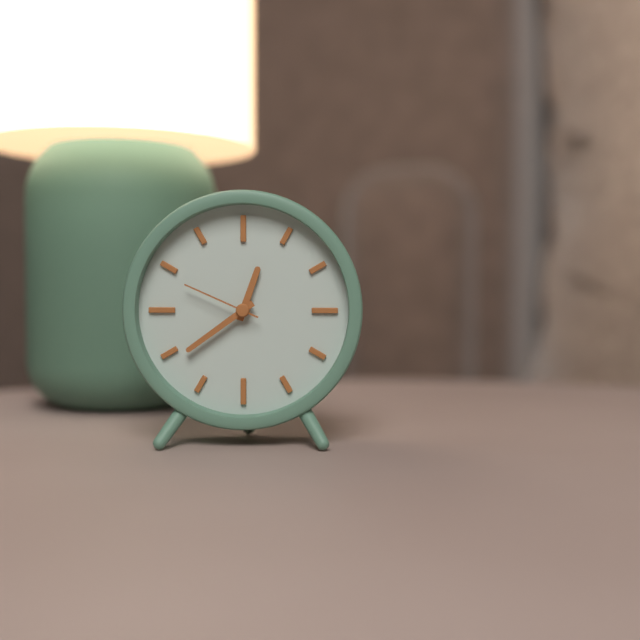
{"hour": 12, "minute": 39, "second": 49}
